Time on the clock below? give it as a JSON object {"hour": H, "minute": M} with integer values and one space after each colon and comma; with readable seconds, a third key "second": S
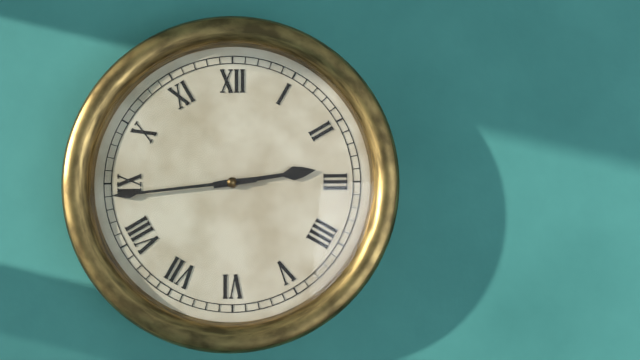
{"hour": 2, "minute": 44}
